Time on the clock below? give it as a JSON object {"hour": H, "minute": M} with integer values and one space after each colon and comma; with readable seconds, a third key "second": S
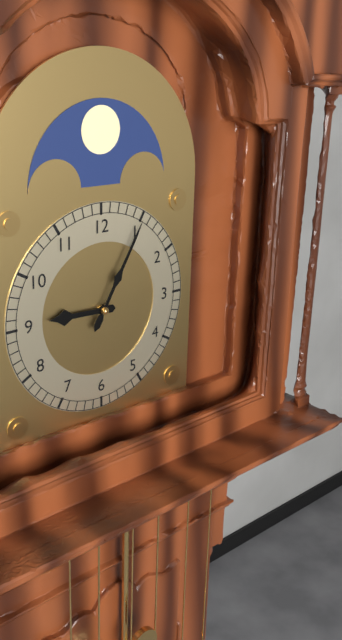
{"hour": 9, "minute": 5}
